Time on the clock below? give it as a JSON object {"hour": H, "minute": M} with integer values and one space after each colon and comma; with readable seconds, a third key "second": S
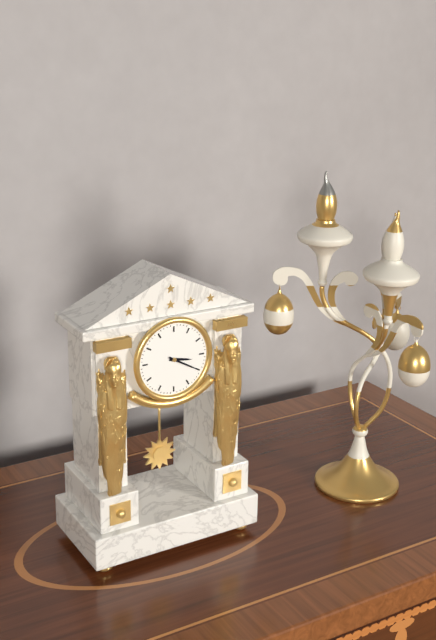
{"hour": 3, "minute": 20}
